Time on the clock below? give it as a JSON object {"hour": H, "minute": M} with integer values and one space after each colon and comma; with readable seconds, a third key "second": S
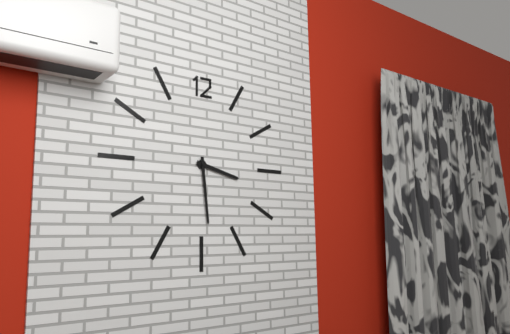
{"hour": 3, "minute": 29}
